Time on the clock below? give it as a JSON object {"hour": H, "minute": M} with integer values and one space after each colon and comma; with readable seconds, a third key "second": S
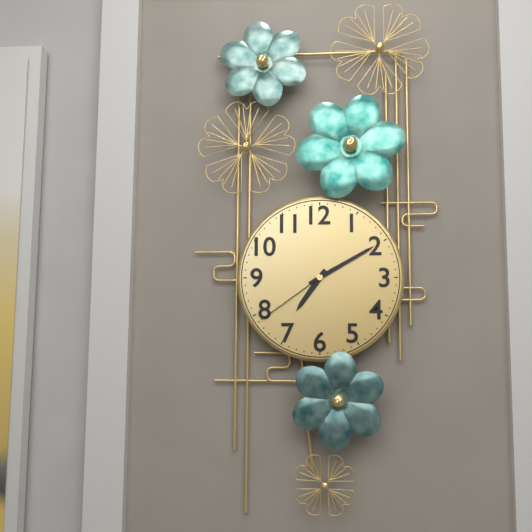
{"hour": 7, "minute": 10, "second": 39}
